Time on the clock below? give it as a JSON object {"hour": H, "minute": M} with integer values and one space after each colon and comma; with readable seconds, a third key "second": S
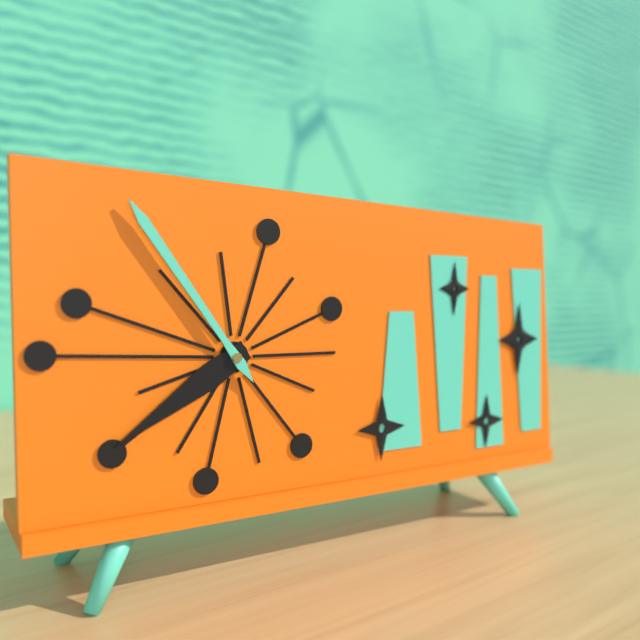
{"hour": 7, "minute": 54}
